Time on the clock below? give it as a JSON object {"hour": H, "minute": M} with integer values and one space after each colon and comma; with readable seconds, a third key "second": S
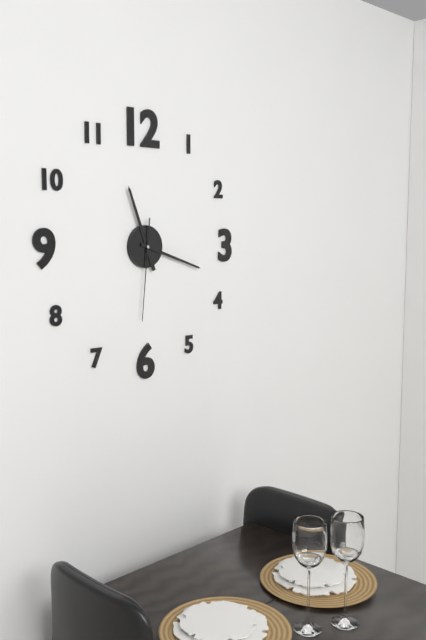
{"hour": 11, "minute": 18, "second": 31}
